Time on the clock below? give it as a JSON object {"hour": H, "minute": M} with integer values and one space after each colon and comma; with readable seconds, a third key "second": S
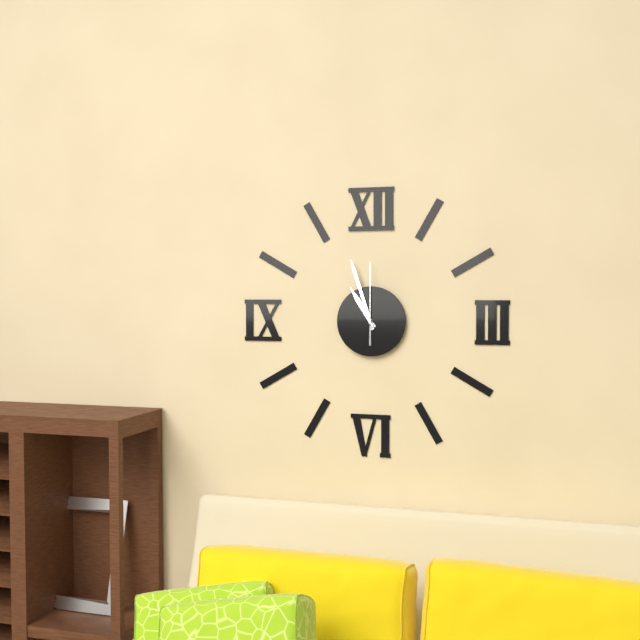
{"hour": 10, "minute": 57, "second": 0}
